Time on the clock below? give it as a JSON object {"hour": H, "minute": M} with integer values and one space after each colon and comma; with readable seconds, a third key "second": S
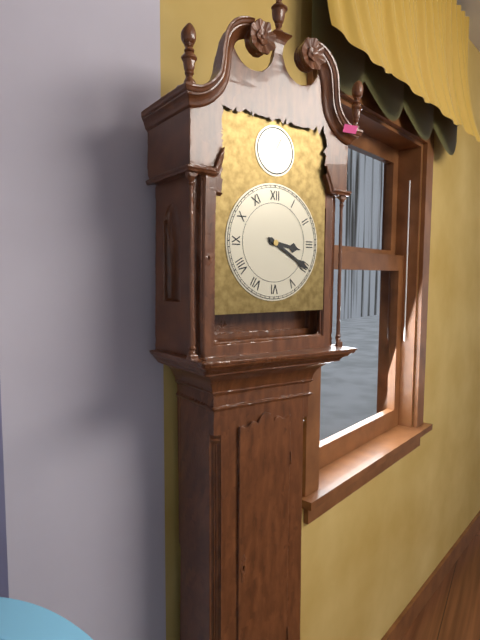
{"hour": 3, "minute": 20}
